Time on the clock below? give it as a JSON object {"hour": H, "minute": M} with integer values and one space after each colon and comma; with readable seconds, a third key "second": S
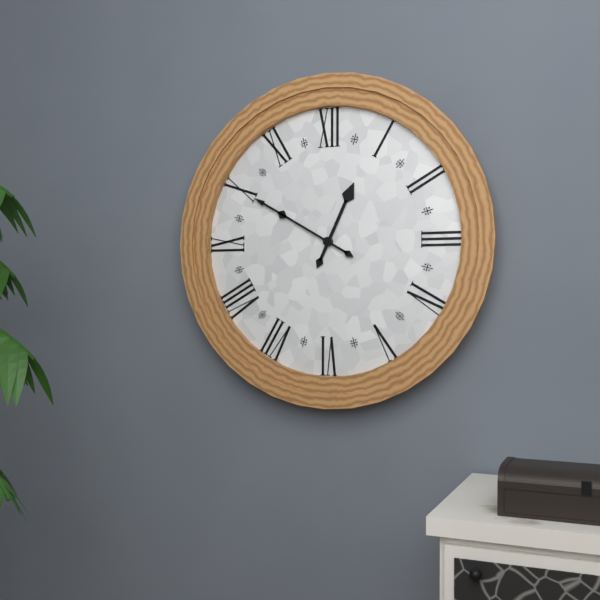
{"hour": 12, "minute": 50}
